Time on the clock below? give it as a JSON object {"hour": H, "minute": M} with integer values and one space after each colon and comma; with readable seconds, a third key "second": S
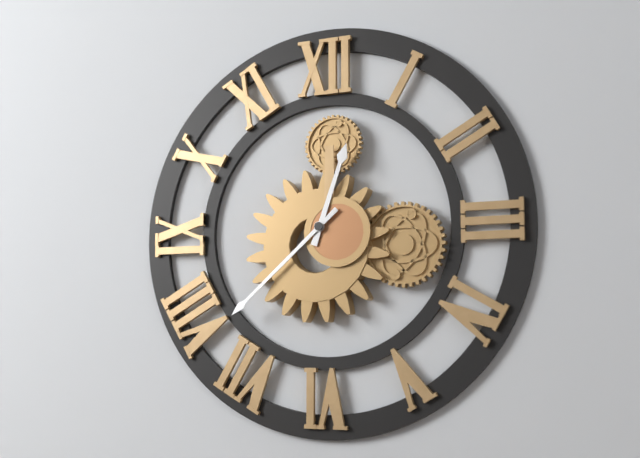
{"hour": 12, "minute": 38}
